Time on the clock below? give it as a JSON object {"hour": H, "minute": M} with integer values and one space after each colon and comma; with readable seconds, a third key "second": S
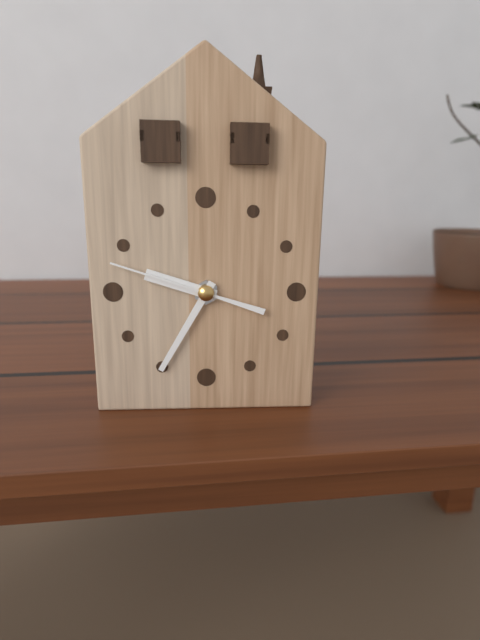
{"hour": 9, "minute": 35, "second": 48}
